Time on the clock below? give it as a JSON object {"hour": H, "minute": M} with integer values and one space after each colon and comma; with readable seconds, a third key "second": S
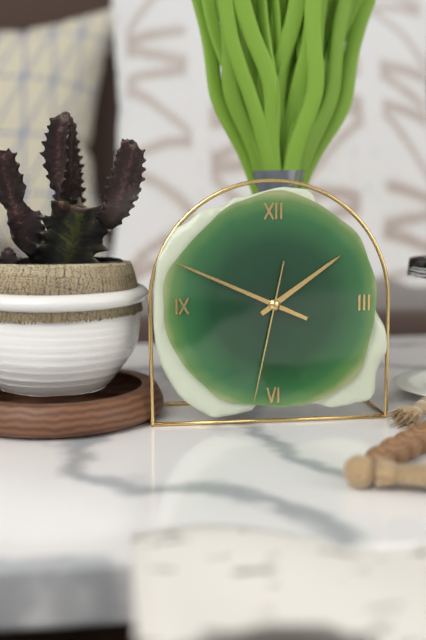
{"hour": 1, "minute": 49, "second": 32}
